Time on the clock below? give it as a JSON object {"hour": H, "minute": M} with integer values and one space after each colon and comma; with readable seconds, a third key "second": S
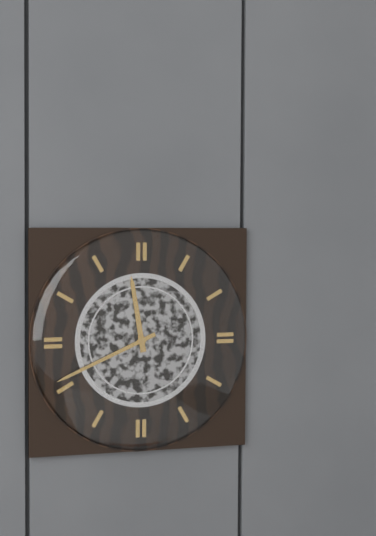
{"hour": 11, "minute": 41}
